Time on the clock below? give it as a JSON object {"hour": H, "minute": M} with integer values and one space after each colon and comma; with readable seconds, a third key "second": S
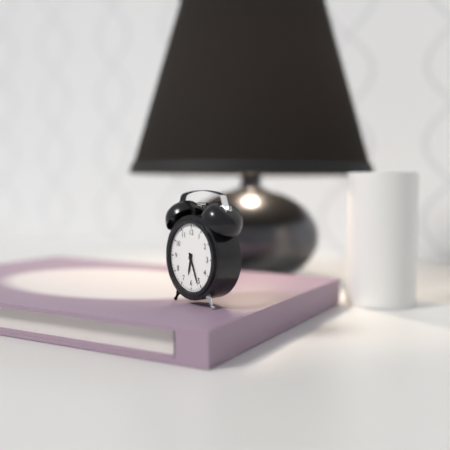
{"hour": 6, "minute": 26}
